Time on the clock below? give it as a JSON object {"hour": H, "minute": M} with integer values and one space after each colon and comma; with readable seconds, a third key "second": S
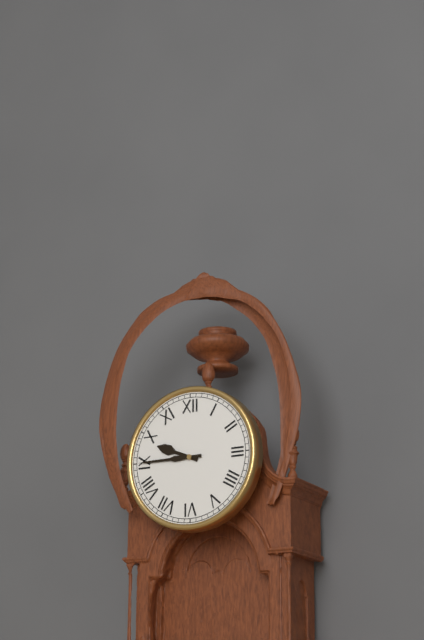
{"hour": 9, "minute": 45}
